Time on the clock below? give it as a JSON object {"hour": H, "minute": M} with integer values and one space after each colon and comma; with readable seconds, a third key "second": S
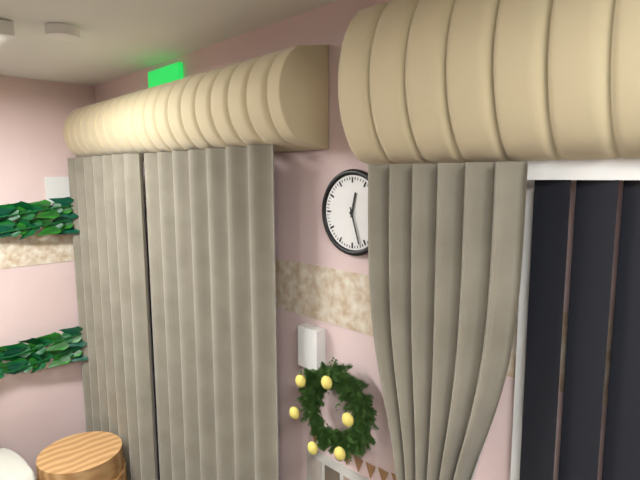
{"hour": 12, "minute": 27}
